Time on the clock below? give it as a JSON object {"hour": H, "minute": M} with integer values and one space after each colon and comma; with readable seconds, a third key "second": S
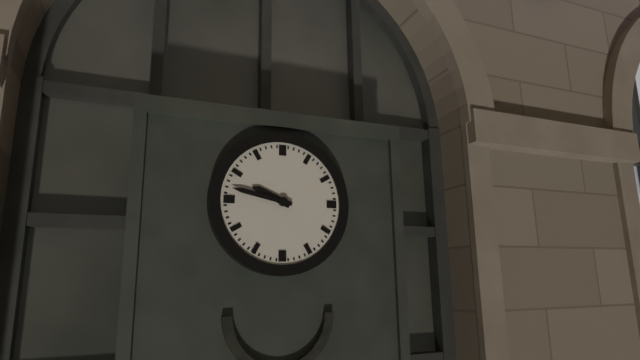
{"hour": 9, "minute": 47}
